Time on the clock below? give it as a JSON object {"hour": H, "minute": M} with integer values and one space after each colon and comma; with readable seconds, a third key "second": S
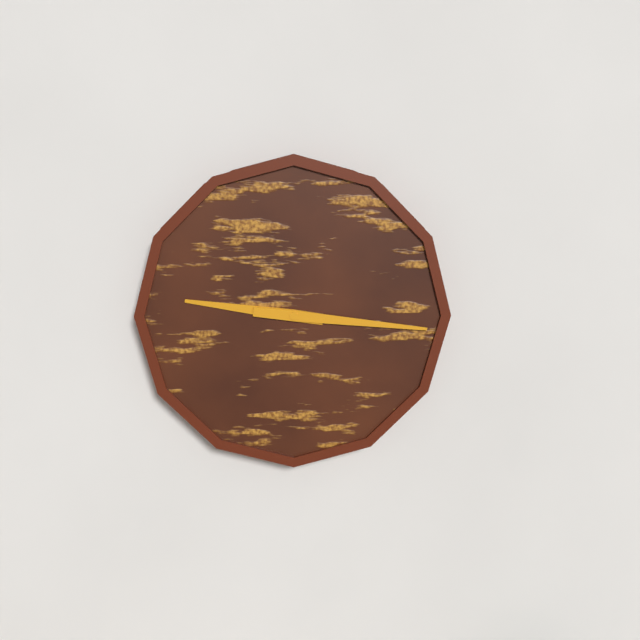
{"hour": 9, "minute": 16}
